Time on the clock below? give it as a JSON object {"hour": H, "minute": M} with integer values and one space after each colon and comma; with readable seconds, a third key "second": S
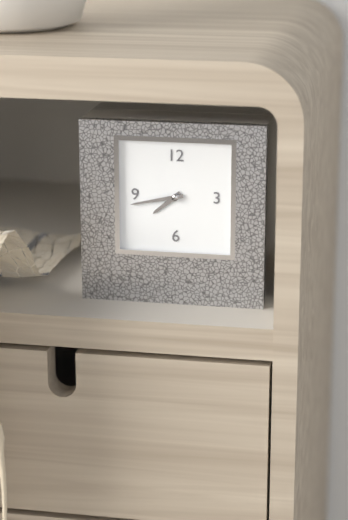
{"hour": 7, "minute": 43}
